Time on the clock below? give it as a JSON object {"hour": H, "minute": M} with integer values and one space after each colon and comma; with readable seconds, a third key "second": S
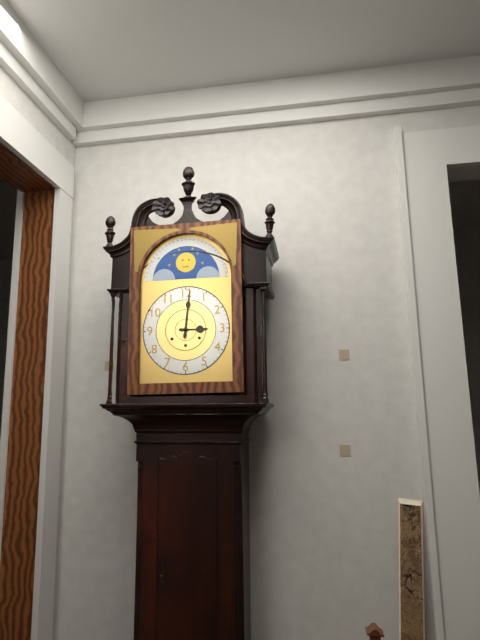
{"hour": 3, "minute": 1}
